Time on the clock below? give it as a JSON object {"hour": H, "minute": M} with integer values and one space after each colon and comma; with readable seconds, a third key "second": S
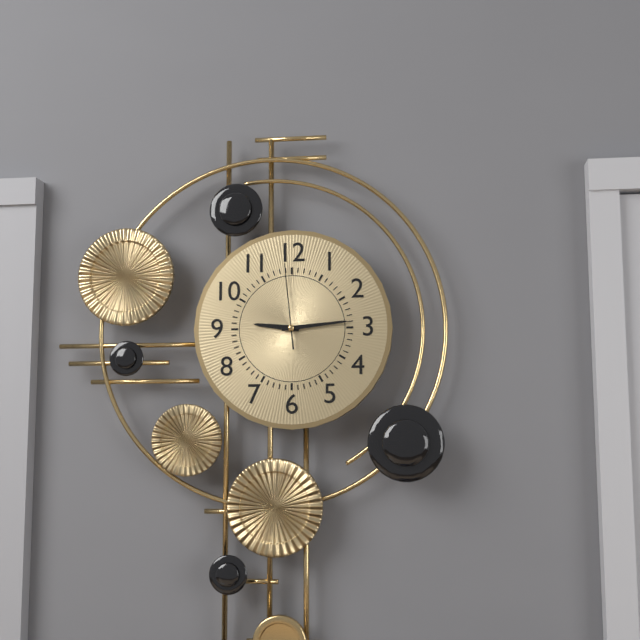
{"hour": 9, "minute": 14, "second": 59}
